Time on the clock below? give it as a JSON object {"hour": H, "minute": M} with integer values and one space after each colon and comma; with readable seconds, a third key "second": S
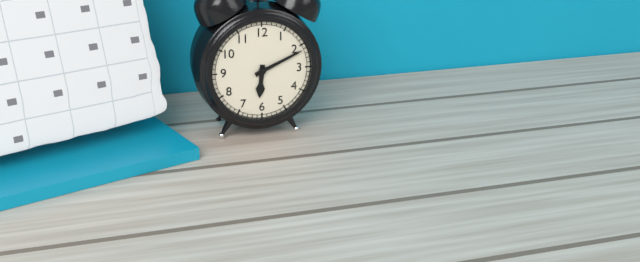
{"hour": 6, "minute": 11}
